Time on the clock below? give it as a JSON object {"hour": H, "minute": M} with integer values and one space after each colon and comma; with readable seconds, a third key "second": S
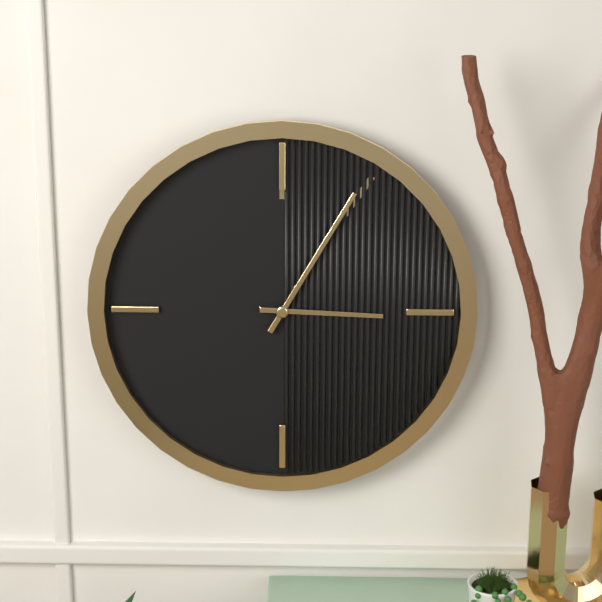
{"hour": 3, "minute": 5}
